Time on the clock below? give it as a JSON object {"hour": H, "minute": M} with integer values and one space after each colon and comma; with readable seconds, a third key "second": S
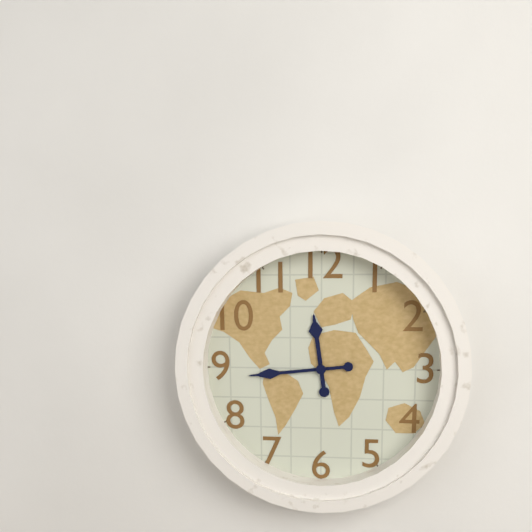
{"hour": 11, "minute": 44}
